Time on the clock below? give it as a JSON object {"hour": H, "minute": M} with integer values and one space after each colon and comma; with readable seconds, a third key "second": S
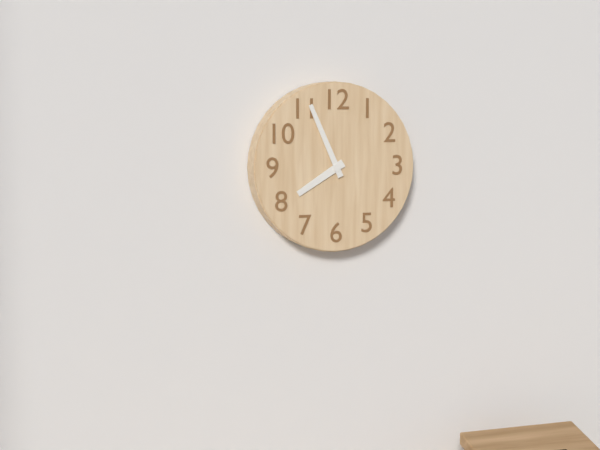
{"hour": 7, "minute": 56}
